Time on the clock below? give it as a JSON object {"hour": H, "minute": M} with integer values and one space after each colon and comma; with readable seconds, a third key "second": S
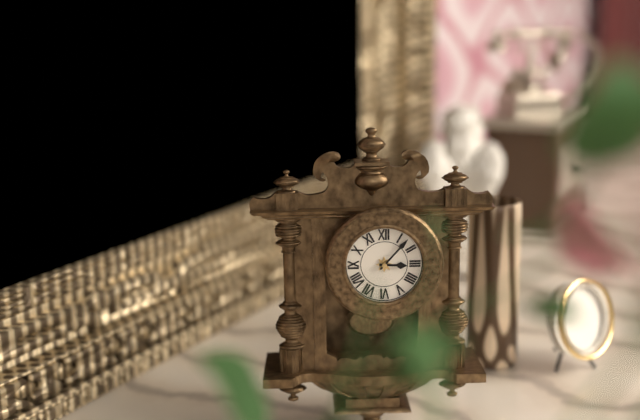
{"hour": 3, "minute": 7}
